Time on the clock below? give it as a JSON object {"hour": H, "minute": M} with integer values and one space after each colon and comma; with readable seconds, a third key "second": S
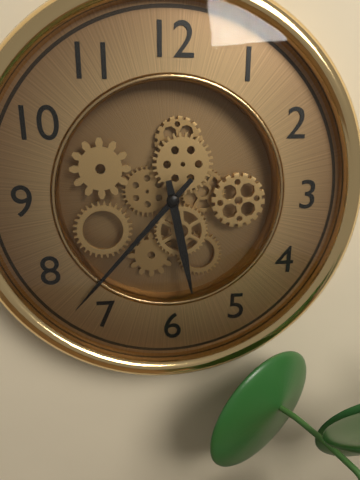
{"hour": 5, "minute": 37}
